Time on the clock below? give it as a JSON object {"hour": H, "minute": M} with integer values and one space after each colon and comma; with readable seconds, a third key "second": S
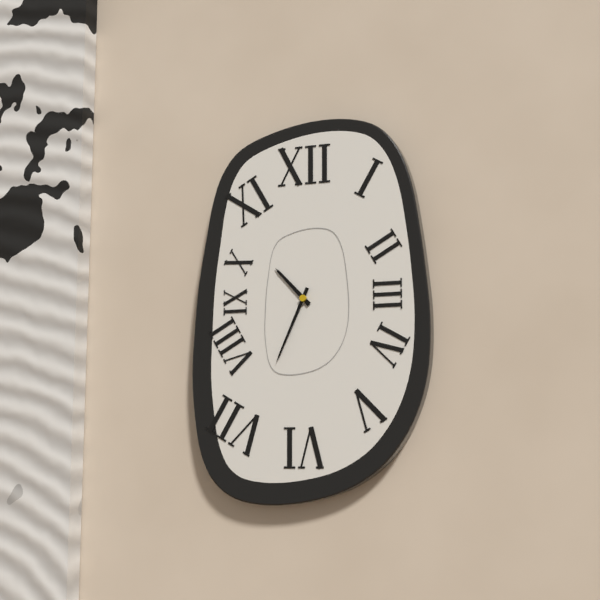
{"hour": 10, "minute": 34}
